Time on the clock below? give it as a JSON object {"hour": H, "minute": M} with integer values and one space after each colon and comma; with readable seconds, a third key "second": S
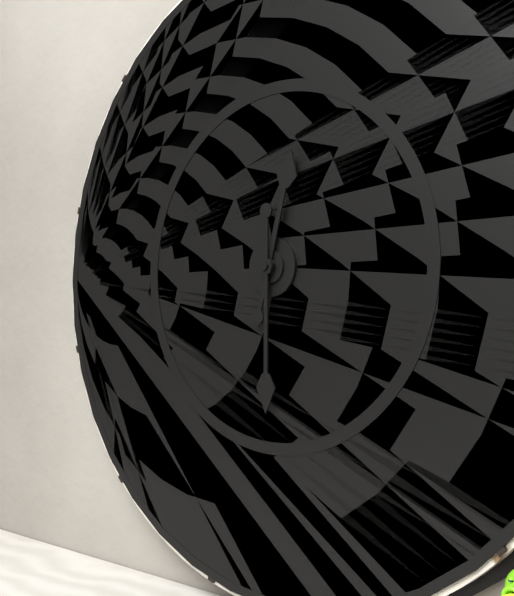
{"hour": 12, "minute": 30}
